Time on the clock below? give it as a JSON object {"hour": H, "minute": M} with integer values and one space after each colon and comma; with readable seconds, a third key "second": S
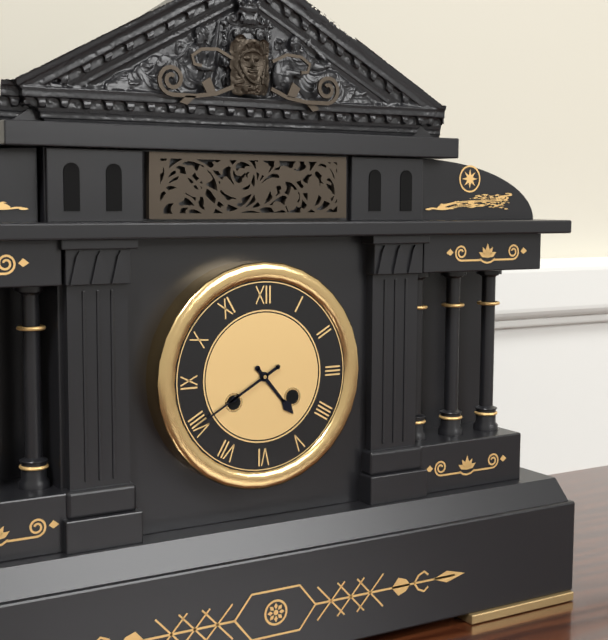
{"hour": 4, "minute": 40}
